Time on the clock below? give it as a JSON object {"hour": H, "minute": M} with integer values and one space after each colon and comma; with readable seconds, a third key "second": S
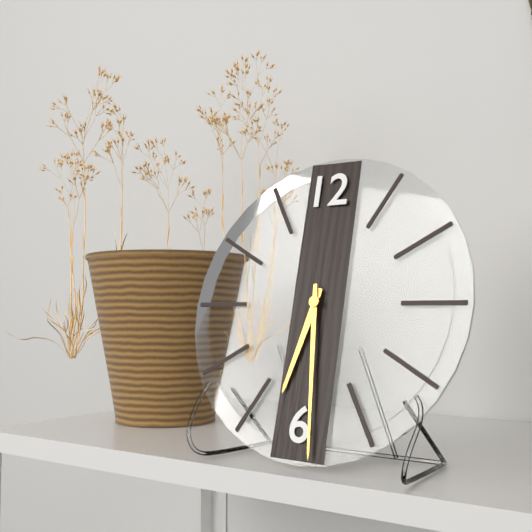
{"hour": 6, "minute": 29}
